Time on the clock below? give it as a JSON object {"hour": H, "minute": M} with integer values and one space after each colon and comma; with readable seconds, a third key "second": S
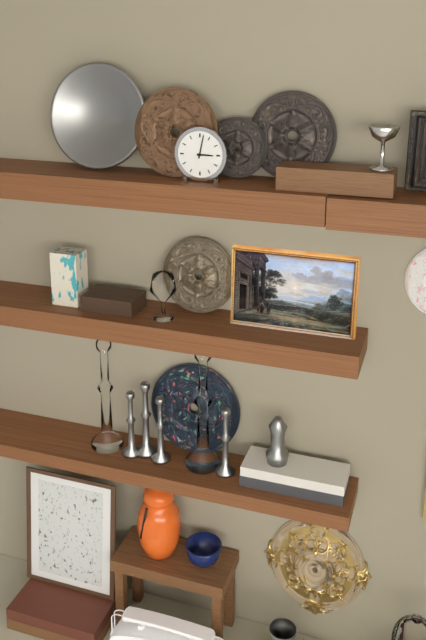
{"hour": 3, "minute": 2}
